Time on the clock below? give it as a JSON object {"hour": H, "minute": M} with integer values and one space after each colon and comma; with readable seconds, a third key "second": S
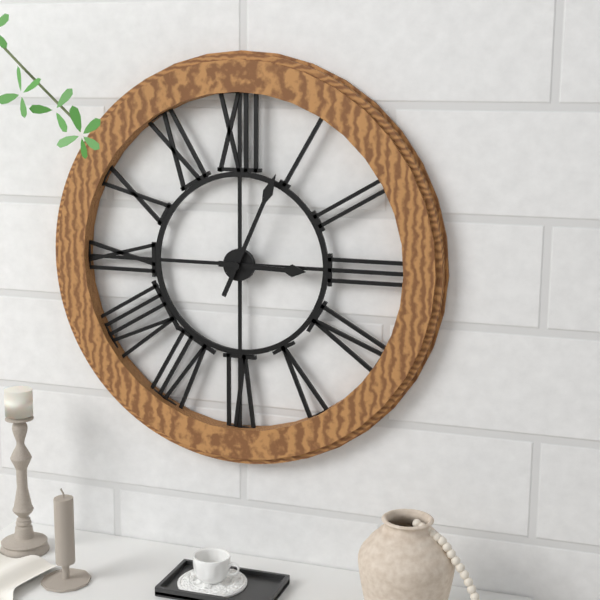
{"hour": 3, "minute": 4}
